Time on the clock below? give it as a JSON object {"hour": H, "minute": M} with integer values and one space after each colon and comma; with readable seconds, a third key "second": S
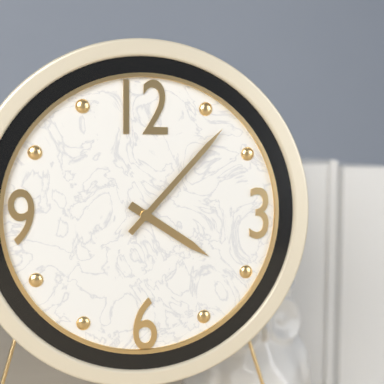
{"hour": 4, "minute": 7}
